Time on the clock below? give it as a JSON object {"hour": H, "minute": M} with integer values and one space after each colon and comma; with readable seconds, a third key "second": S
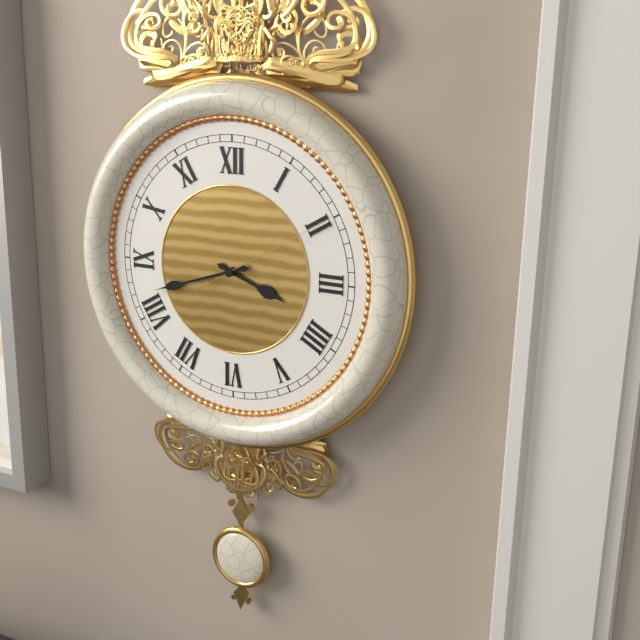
{"hour": 3, "minute": 42, "second": 10}
